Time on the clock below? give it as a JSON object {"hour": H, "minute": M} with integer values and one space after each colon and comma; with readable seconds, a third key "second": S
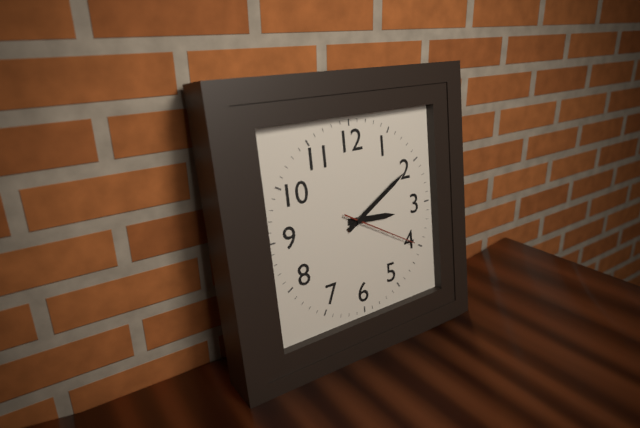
{"hour": 3, "minute": 10, "second": 20}
